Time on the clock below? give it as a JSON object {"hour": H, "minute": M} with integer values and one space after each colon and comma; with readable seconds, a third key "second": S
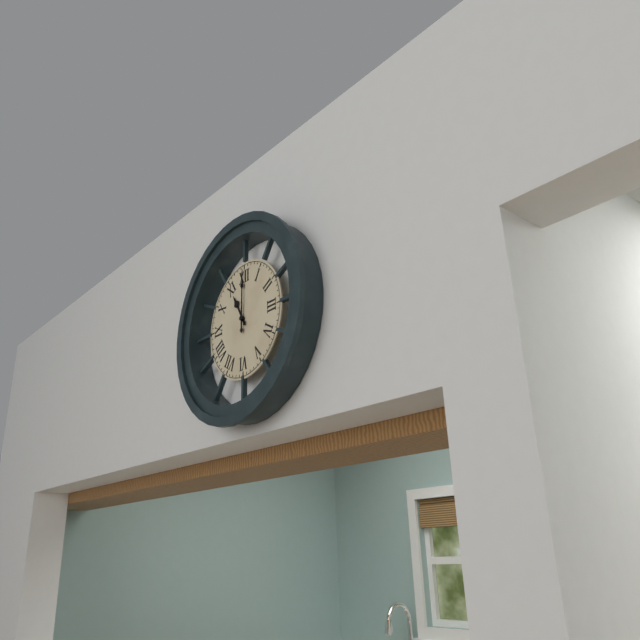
{"hour": 11, "minute": 0}
